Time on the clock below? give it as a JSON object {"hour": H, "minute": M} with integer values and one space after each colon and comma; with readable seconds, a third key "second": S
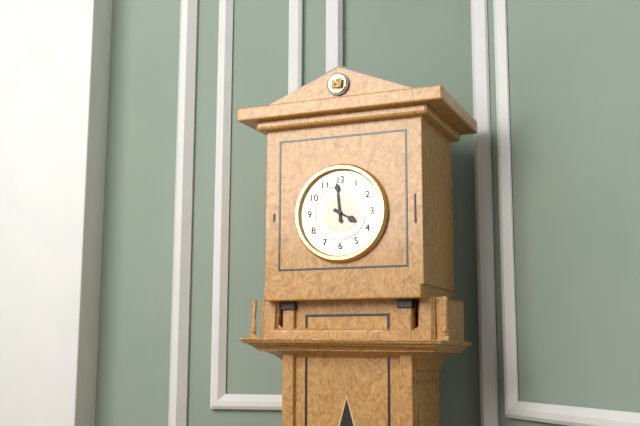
{"hour": 3, "minute": 59}
